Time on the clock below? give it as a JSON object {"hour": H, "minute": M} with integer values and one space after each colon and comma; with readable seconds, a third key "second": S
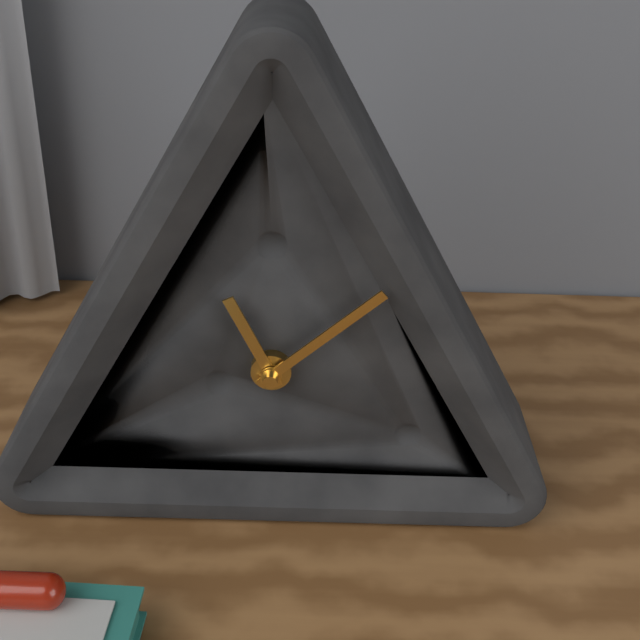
{"hour": 11, "minute": 8}
